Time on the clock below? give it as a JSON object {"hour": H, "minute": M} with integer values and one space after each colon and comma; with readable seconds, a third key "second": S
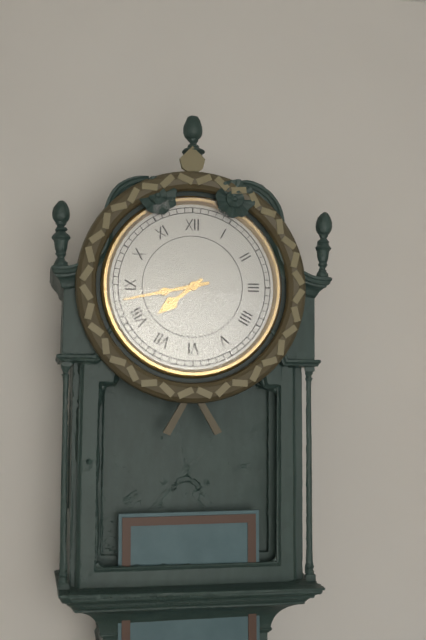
{"hour": 7, "minute": 43}
